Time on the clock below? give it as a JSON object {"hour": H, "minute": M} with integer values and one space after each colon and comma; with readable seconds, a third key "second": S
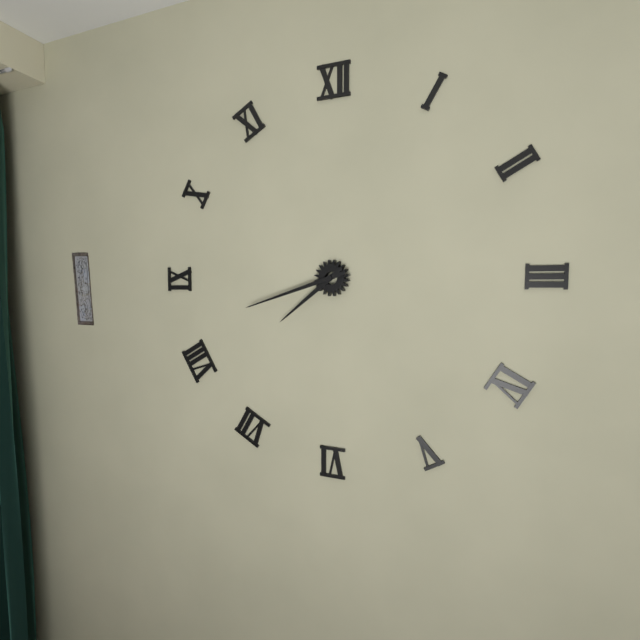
{"hour": 7, "minute": 42}
